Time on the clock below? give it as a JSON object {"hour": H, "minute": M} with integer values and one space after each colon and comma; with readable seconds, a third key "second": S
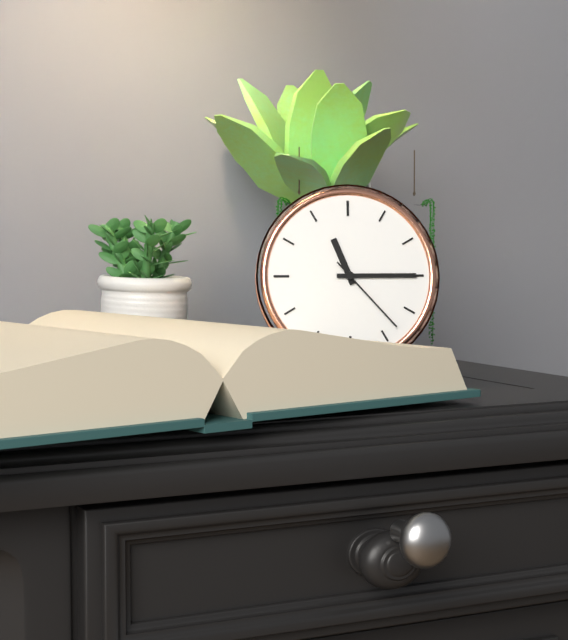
{"hour": 11, "minute": 15, "second": 23}
